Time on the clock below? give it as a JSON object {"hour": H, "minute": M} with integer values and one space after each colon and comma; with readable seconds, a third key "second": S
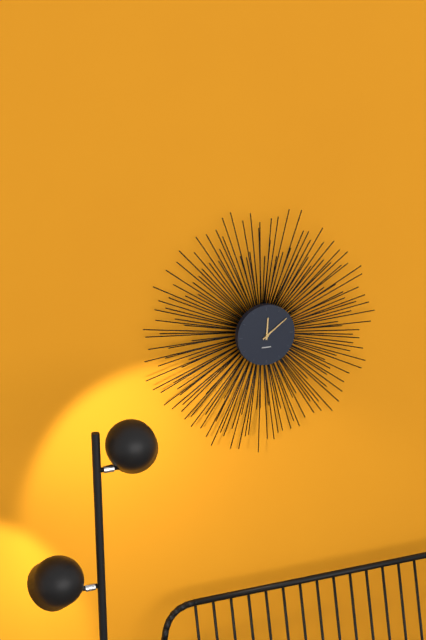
{"hour": 12, "minute": 9}
